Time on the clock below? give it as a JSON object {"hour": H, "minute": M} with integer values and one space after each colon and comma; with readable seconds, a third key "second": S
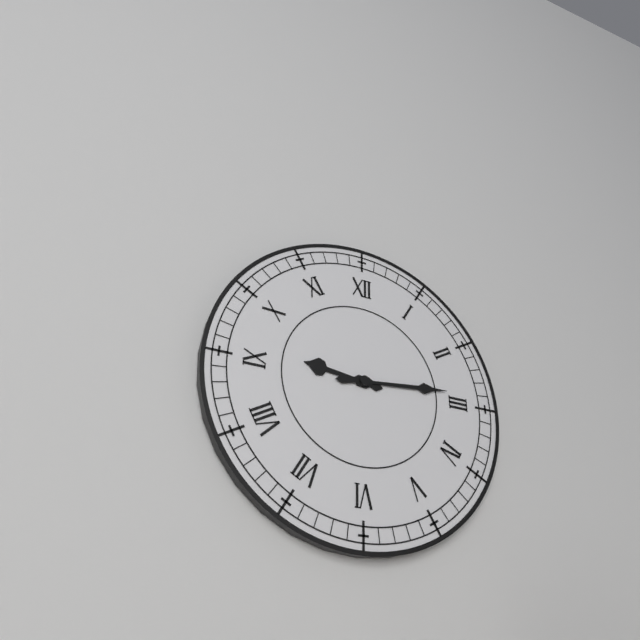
{"hour": 9, "minute": 14}
